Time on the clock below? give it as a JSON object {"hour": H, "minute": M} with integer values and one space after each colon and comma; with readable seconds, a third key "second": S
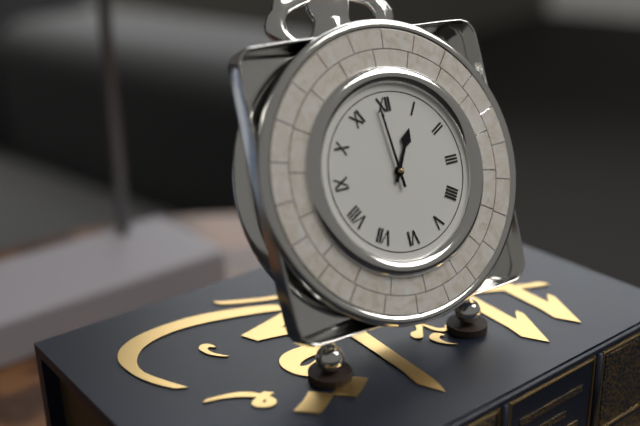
{"hour": 12, "minute": 59}
